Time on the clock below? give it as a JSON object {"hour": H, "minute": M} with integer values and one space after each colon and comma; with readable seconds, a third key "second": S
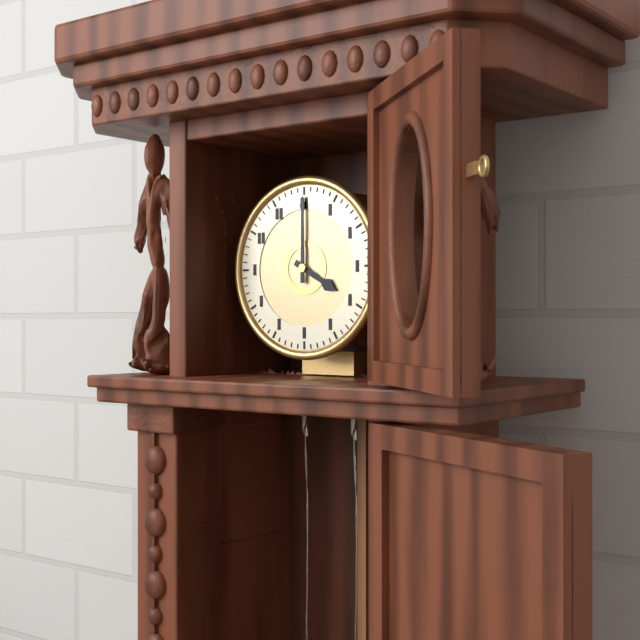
{"hour": 4, "minute": 0}
